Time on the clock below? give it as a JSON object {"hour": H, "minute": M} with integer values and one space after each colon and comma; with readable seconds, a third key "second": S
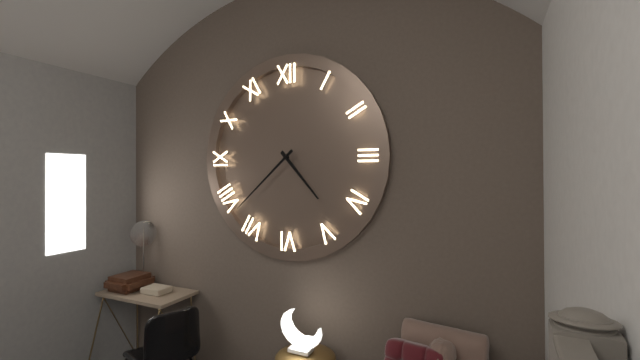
{"hour": 4, "minute": 38}
